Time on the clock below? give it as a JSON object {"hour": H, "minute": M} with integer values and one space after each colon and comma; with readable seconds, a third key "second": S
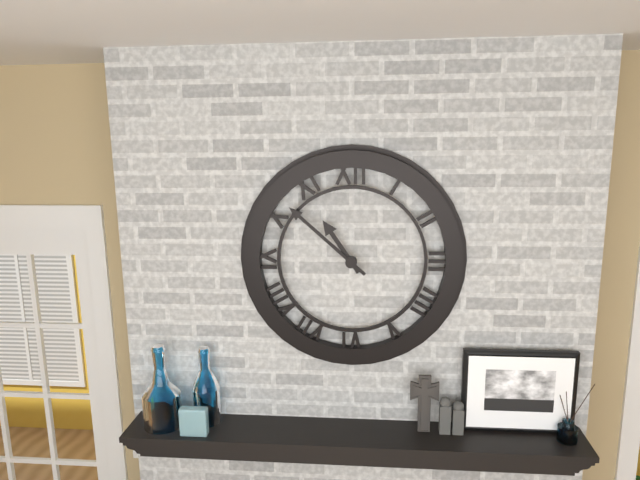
{"hour": 10, "minute": 52}
